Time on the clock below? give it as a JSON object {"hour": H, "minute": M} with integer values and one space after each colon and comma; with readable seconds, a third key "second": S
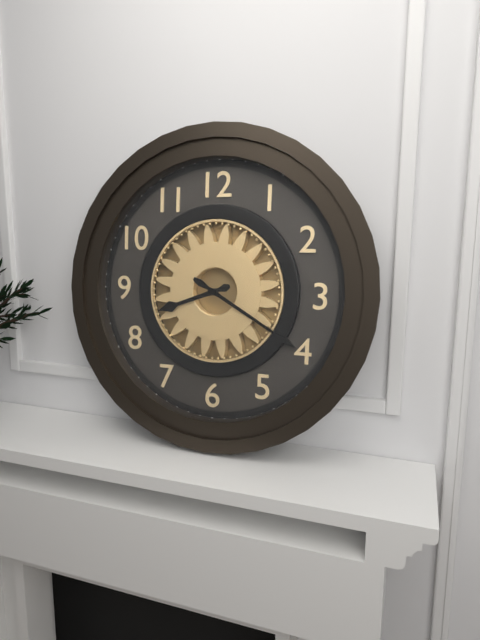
{"hour": 8, "minute": 20}
